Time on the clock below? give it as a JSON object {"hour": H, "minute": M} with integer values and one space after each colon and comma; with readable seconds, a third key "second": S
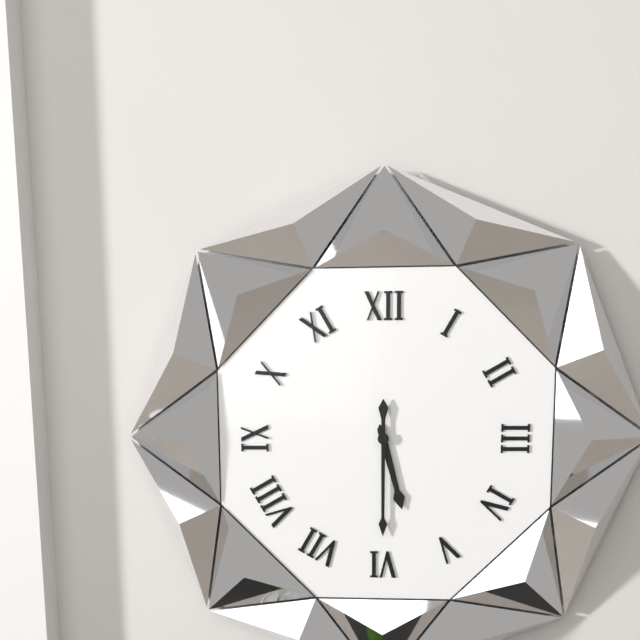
{"hour": 5, "minute": 30}
